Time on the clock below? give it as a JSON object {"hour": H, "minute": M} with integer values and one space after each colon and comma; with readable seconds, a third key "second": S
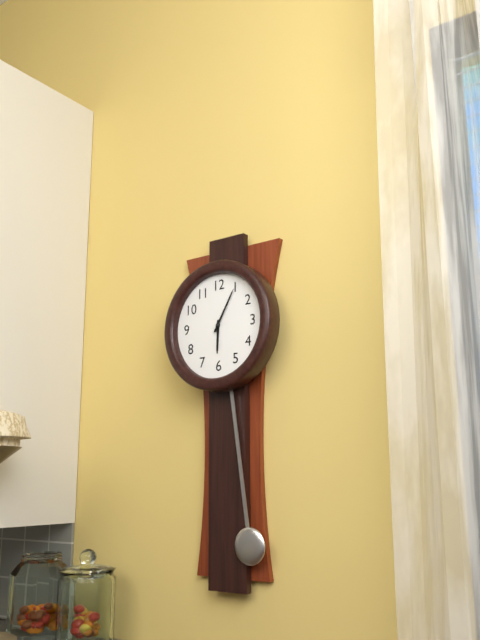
{"hour": 6, "minute": 5}
